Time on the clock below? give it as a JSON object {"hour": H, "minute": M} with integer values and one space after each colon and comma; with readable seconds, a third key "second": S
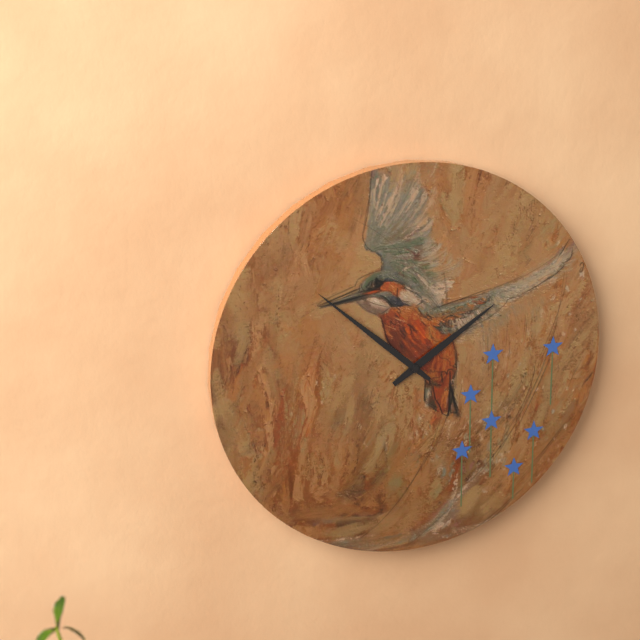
{"hour": 1, "minute": 52}
